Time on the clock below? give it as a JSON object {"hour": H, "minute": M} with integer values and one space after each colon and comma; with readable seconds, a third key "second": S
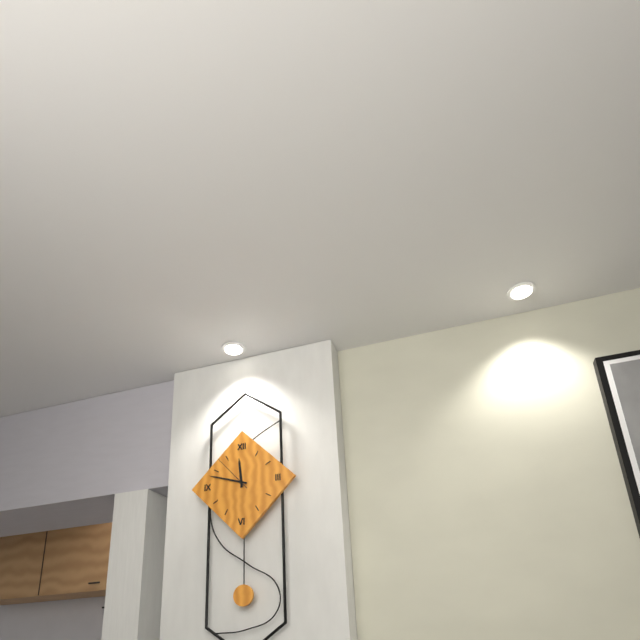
{"hour": 11, "minute": 48}
